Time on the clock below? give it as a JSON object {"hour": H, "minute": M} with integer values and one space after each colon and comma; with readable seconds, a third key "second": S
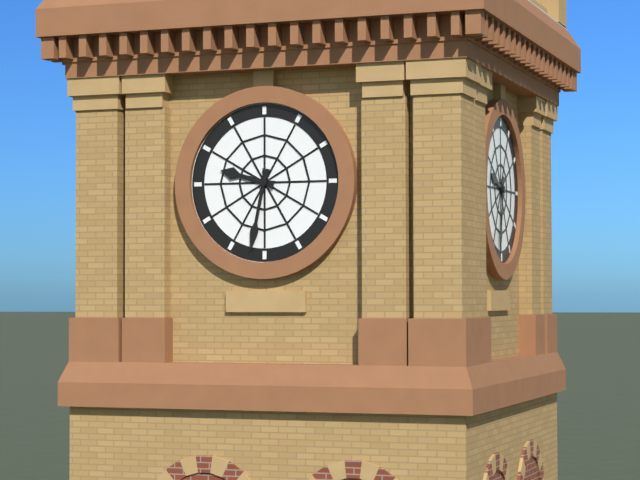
{"hour": 9, "minute": 32}
